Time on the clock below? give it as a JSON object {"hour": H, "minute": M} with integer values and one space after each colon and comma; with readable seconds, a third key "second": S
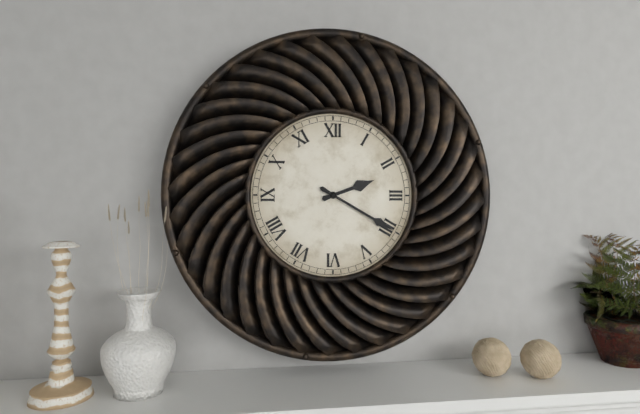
{"hour": 2, "minute": 20}
